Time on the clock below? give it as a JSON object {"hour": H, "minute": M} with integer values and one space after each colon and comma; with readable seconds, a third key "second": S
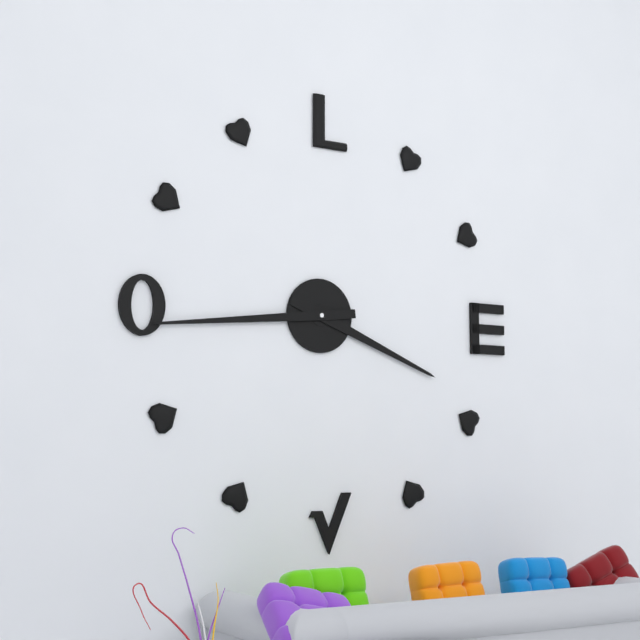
{"hour": 3, "minute": 44}
